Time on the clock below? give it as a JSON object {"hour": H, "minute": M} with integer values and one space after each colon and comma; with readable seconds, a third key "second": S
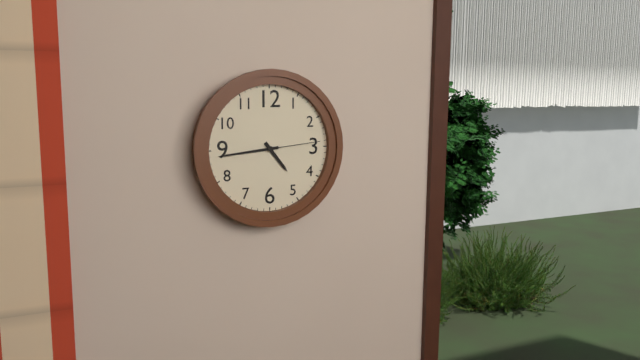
{"hour": 4, "minute": 44, "second": 14}
